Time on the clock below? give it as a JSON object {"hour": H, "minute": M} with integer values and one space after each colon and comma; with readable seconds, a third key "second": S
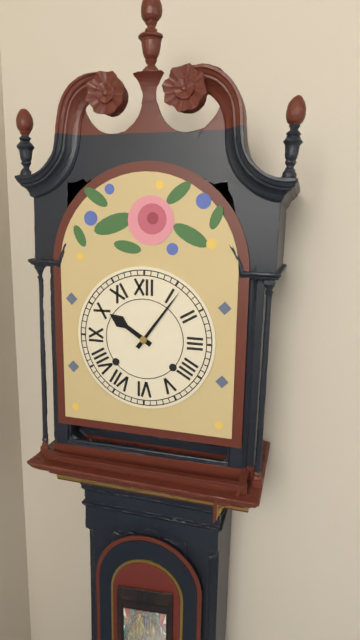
{"hour": 10, "minute": 6}
